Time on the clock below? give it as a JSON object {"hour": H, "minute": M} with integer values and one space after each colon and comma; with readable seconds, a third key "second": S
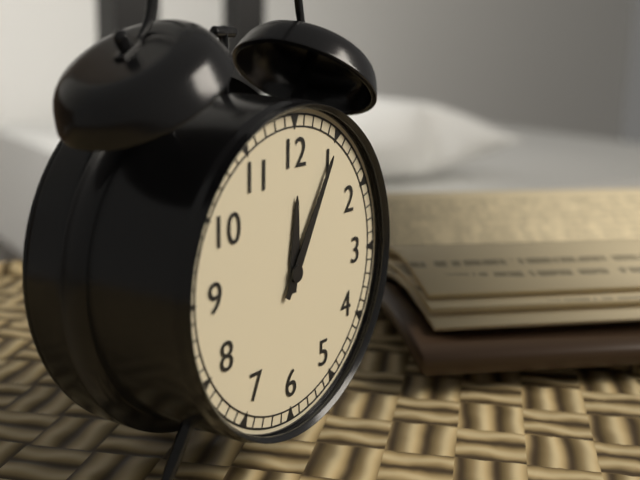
{"hour": 12, "minute": 5}
